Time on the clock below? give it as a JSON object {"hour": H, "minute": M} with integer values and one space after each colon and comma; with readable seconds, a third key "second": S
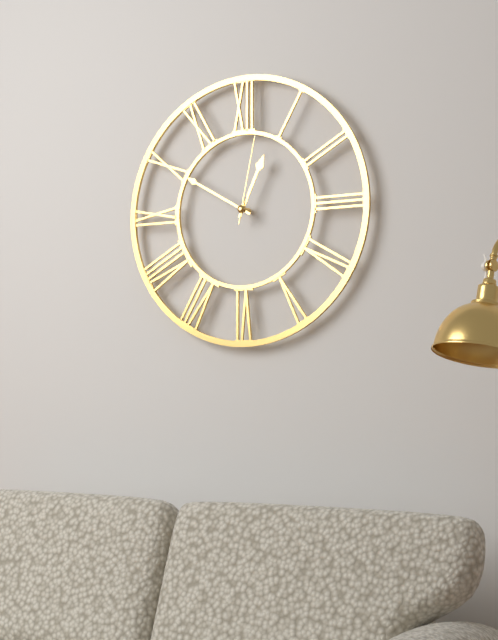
{"hour": 12, "minute": 50, "second": 2}
